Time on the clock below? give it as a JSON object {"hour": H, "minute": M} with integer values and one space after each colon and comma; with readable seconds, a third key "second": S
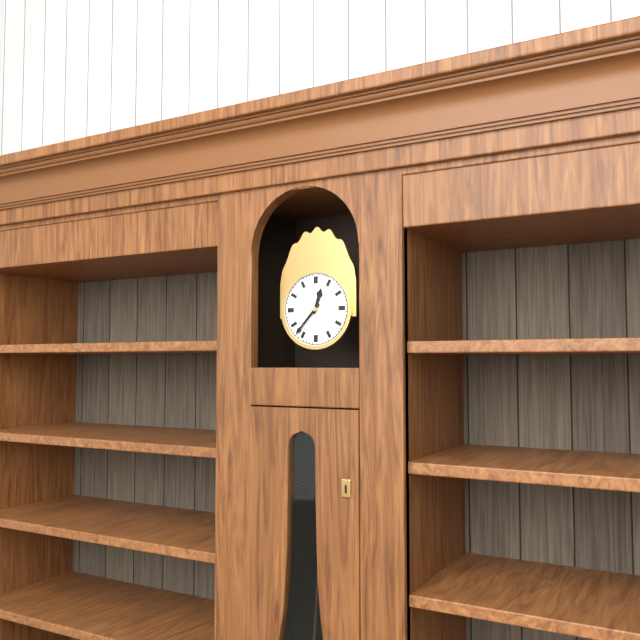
{"hour": 12, "minute": 37}
